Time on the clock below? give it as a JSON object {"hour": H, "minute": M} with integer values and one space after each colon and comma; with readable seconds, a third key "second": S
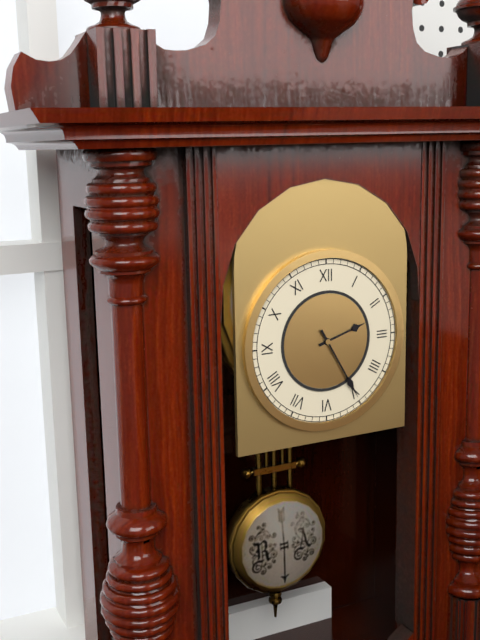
{"hour": 2, "minute": 25}
